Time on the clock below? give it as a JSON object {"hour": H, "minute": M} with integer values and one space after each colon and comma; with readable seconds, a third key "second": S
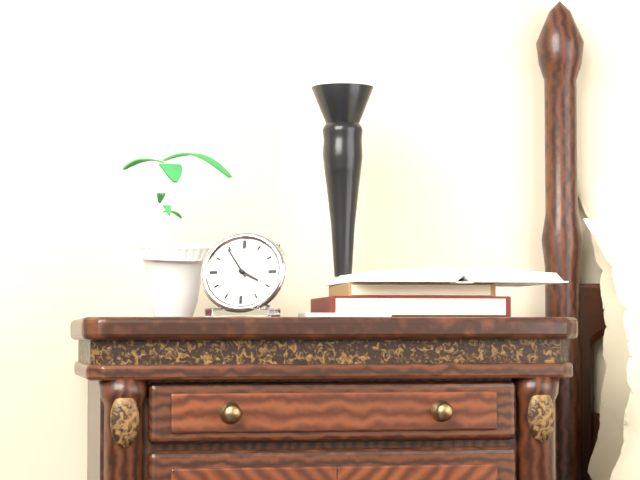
{"hour": 3, "minute": 54}
